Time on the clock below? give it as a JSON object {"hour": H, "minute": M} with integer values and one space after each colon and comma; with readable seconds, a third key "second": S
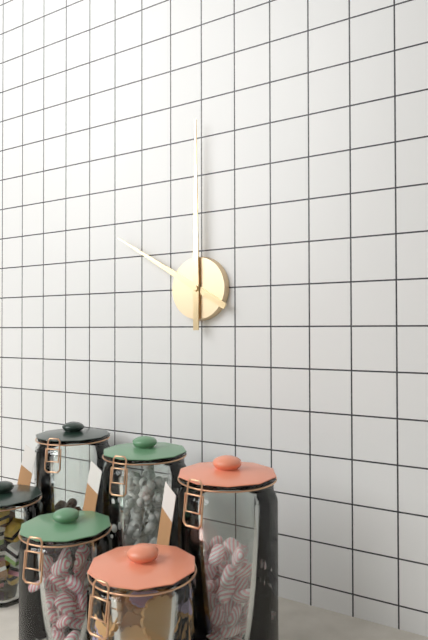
{"hour": 10, "minute": 0}
